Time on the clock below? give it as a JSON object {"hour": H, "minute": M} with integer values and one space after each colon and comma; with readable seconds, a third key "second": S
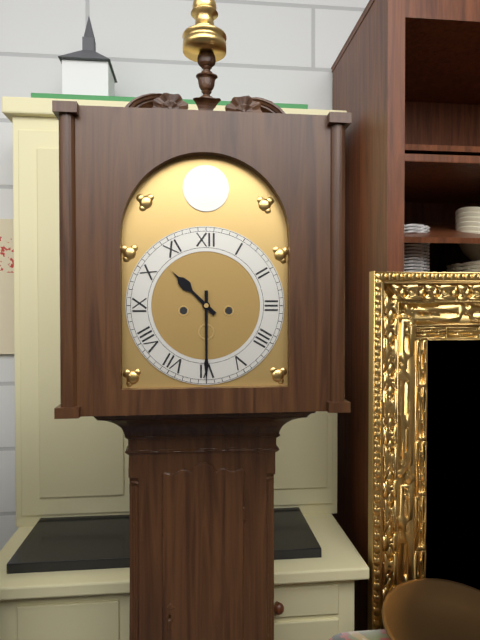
{"hour": 10, "minute": 30}
